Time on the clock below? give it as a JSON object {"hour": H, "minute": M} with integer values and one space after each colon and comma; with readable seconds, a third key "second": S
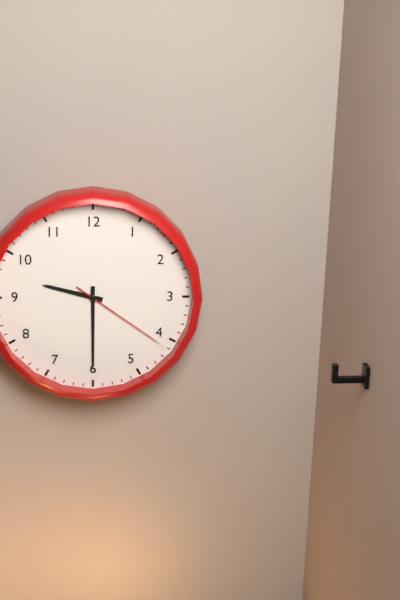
{"hour": 9, "minute": 30, "second": 21}
